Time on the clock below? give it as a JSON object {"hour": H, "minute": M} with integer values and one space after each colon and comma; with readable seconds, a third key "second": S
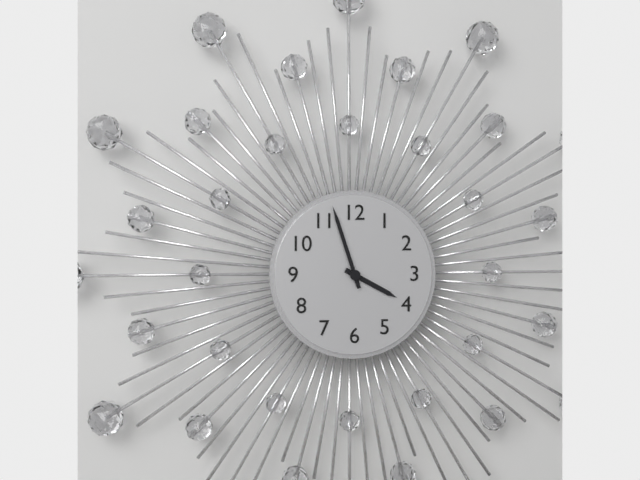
{"hour": 3, "minute": 57}
